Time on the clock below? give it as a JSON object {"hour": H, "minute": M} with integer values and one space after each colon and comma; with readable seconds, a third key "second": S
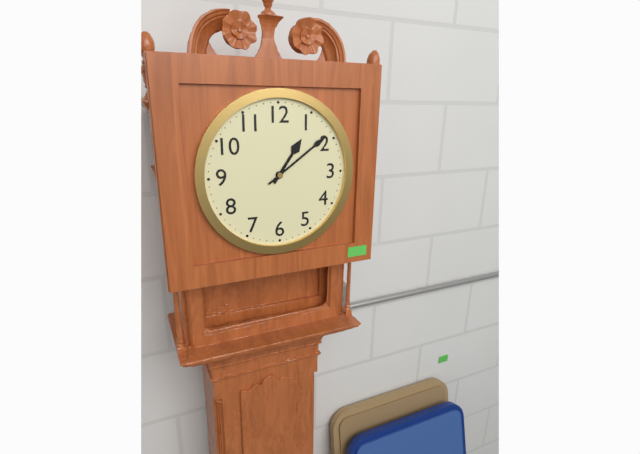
{"hour": 1, "minute": 9}
